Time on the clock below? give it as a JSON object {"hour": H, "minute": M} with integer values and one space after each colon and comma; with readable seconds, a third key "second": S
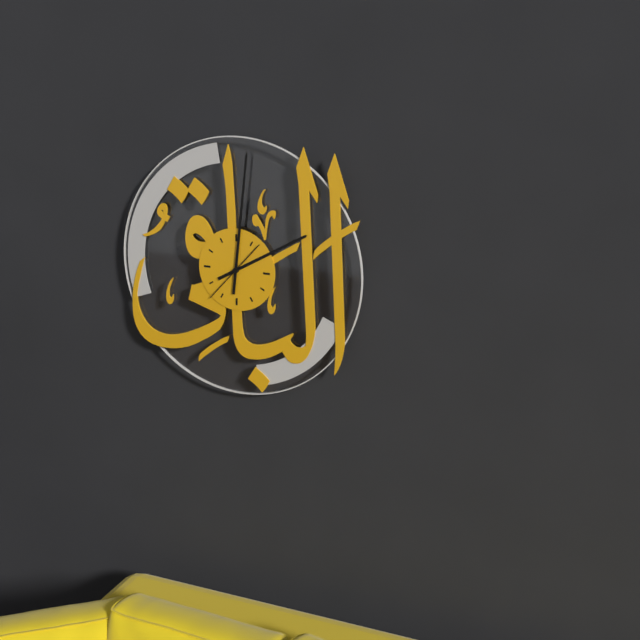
{"hour": 2, "minute": 1, "second": 37}
